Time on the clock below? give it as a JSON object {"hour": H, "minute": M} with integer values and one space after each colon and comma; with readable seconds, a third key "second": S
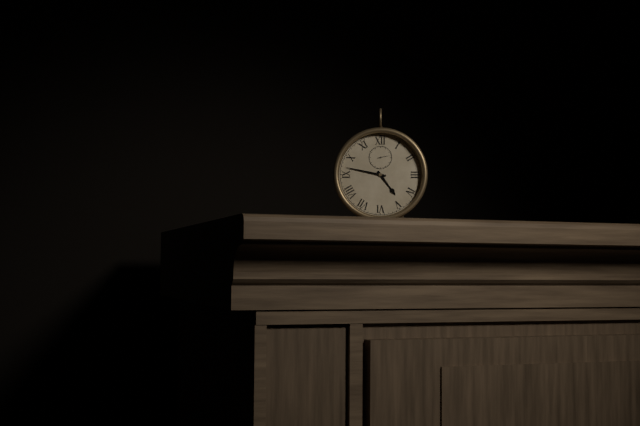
{"hour": 4, "minute": 47}
